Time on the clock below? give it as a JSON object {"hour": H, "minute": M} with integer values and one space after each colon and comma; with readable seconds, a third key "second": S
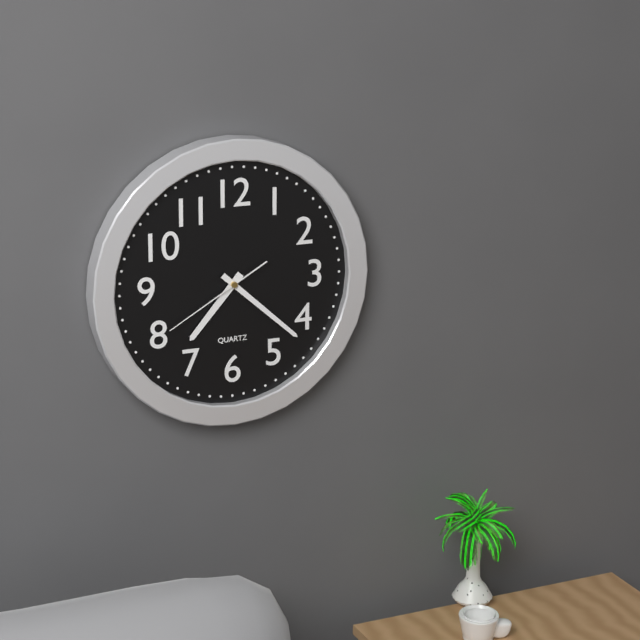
{"hour": 7, "minute": 22, "second": 40}
